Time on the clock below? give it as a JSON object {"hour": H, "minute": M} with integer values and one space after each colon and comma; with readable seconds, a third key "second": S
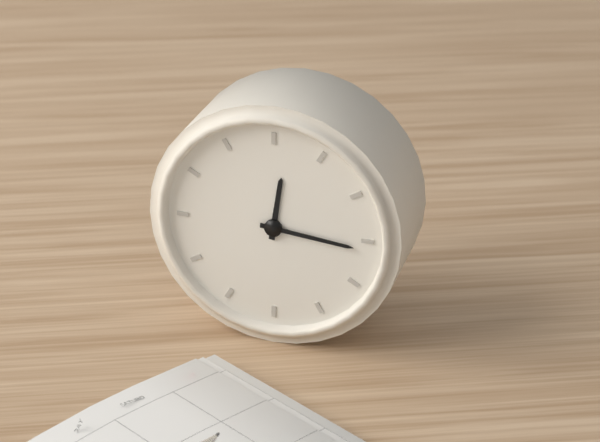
{"hour": 12, "minute": 16}
